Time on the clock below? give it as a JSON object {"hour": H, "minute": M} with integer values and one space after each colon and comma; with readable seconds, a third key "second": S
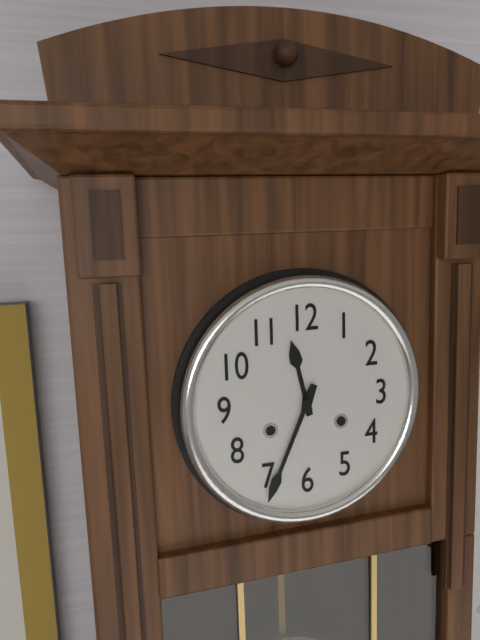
{"hour": 11, "minute": 34}
